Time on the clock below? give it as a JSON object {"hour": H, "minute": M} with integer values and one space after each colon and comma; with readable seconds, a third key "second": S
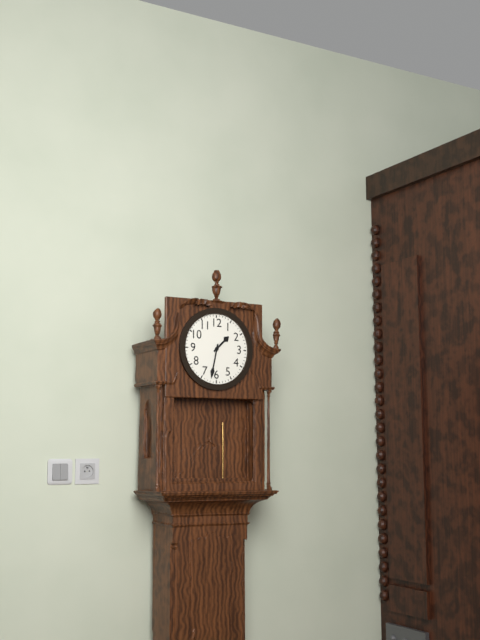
{"hour": 1, "minute": 32}
